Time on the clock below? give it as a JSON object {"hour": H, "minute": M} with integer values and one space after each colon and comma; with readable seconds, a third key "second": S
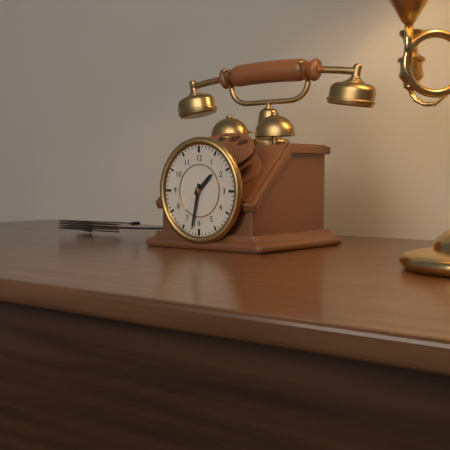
{"hour": 1, "minute": 32}
